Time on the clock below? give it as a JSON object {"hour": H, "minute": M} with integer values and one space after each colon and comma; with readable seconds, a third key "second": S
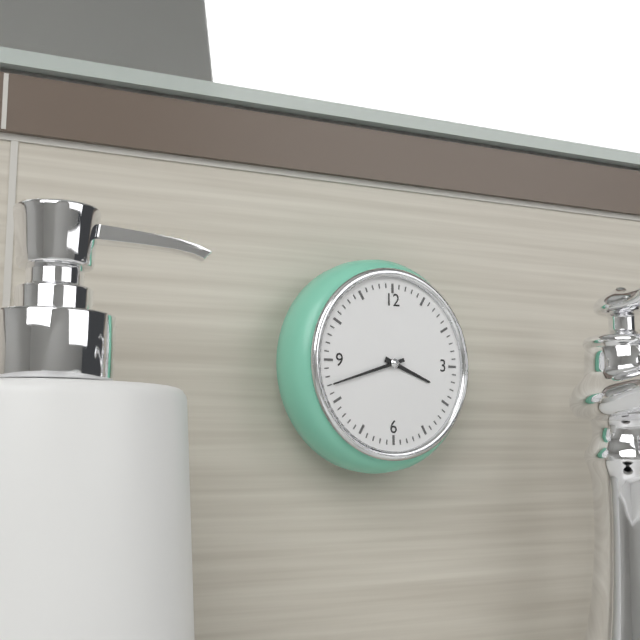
{"hour": 3, "minute": 42}
